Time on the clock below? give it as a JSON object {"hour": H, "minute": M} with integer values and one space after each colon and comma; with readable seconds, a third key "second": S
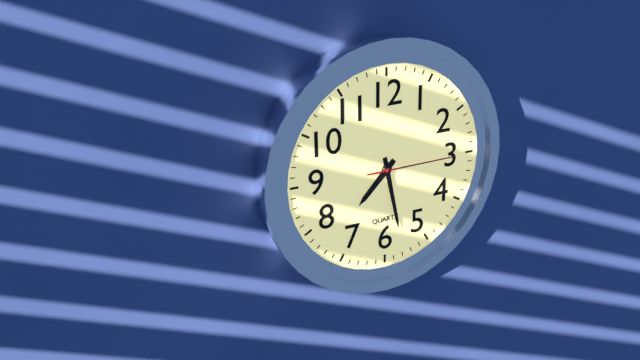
{"hour": 7, "minute": 28, "second": 15}
